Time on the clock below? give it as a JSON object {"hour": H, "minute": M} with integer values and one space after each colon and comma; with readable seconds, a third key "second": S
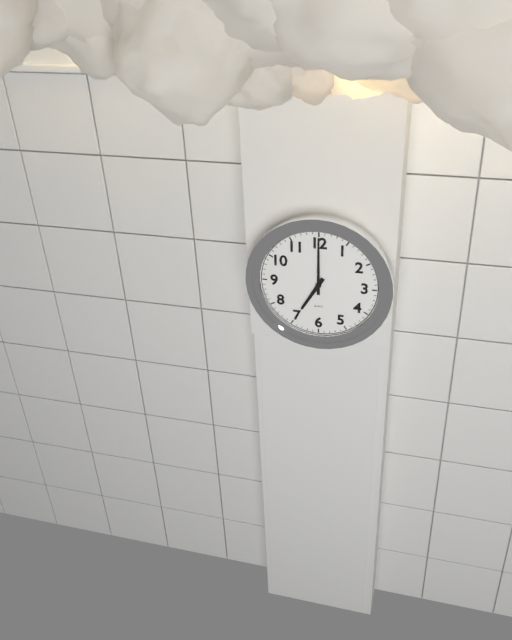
{"hour": 7, "minute": 0}
